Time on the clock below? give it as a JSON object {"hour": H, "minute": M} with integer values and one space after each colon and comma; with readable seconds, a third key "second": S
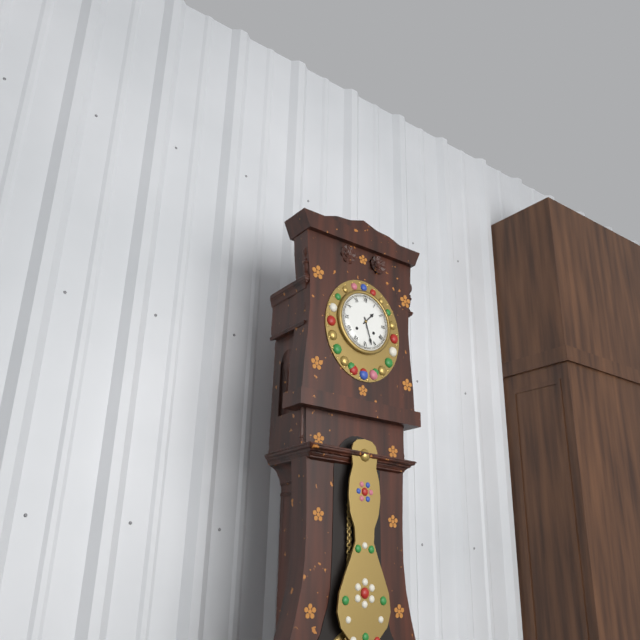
{"hour": 1, "minute": 27}
